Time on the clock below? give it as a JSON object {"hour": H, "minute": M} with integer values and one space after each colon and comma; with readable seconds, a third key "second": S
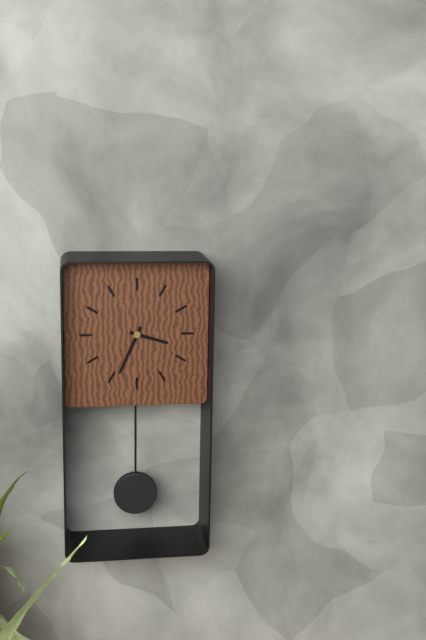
{"hour": 3, "minute": 34}
